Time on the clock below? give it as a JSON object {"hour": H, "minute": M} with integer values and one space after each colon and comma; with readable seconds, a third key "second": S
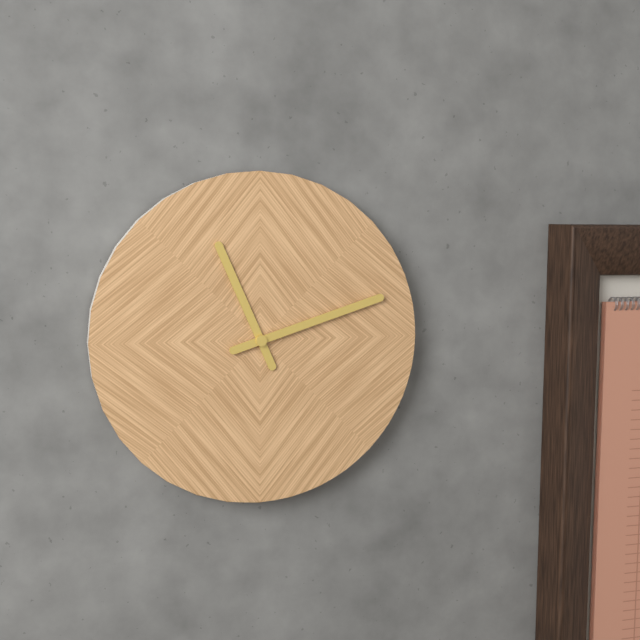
{"hour": 11, "minute": 12}
